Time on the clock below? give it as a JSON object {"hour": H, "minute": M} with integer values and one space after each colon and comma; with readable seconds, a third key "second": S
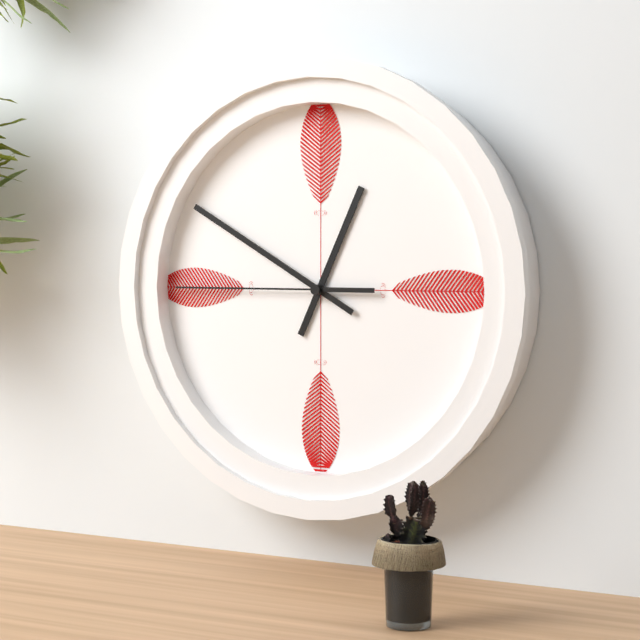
{"hour": 12, "minute": 50, "second": 45}
